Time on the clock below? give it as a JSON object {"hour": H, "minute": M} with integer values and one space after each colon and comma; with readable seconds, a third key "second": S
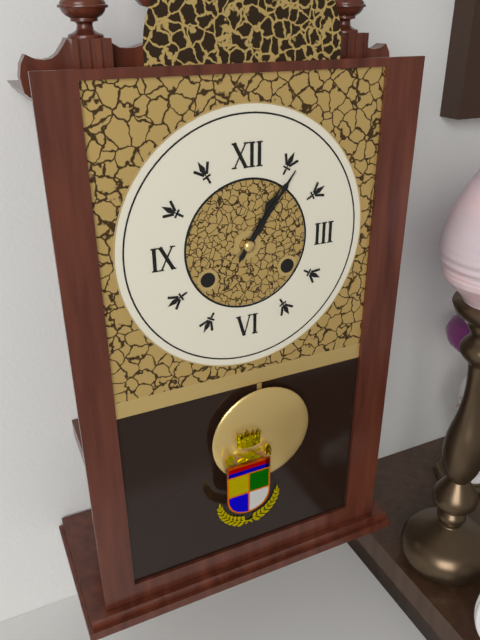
{"hour": 1, "minute": 6}
